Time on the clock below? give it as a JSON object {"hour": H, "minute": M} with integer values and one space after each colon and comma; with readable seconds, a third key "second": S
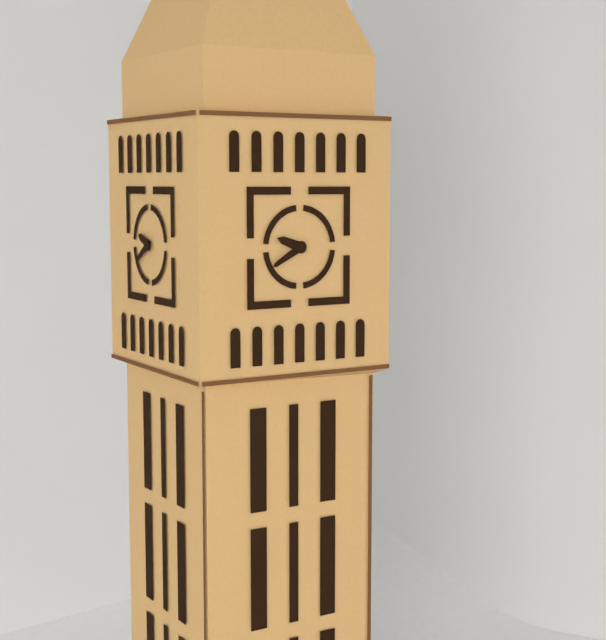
{"hour": 9, "minute": 40}
